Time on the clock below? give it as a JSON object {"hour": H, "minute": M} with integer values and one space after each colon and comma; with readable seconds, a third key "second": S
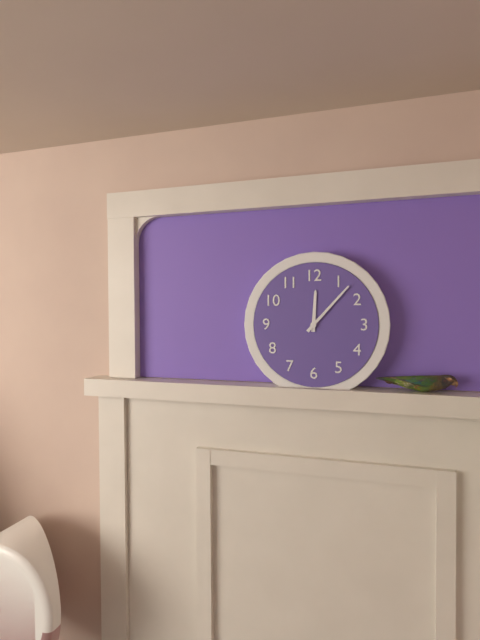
{"hour": 12, "minute": 7}
